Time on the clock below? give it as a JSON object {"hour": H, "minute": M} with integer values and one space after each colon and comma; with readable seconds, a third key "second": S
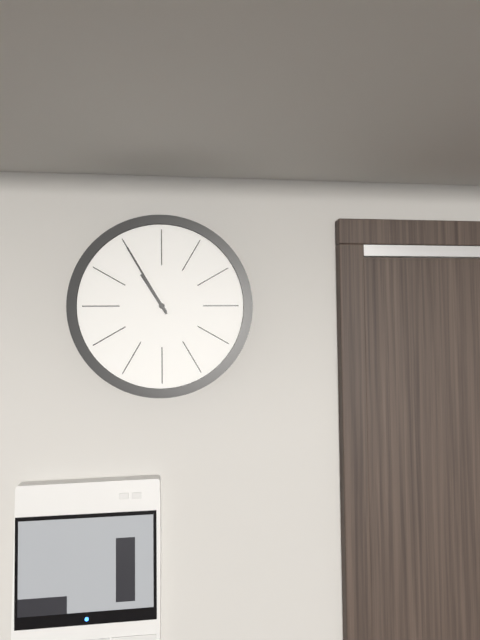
{"hour": 10, "minute": 55}
